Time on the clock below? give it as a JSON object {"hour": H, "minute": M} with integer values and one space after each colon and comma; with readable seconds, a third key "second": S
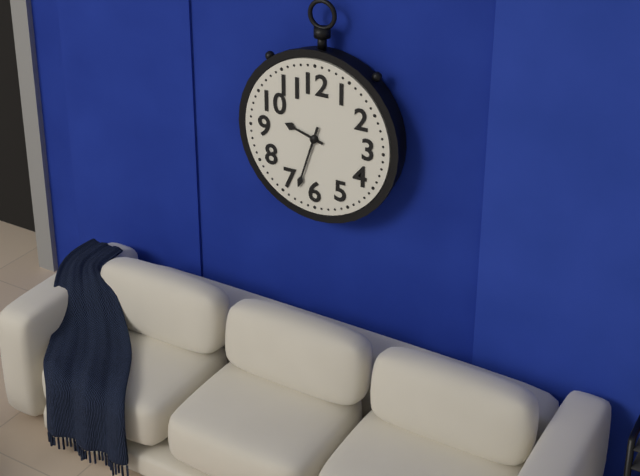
{"hour": 9, "minute": 33}
